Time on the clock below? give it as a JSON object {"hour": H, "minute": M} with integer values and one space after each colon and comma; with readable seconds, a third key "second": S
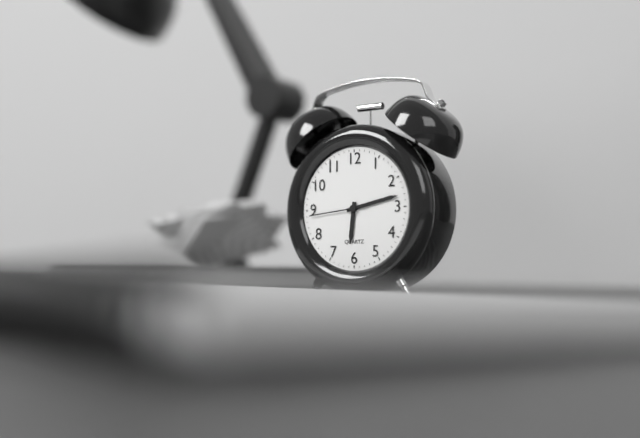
{"hour": 6, "minute": 13, "second": 44}
